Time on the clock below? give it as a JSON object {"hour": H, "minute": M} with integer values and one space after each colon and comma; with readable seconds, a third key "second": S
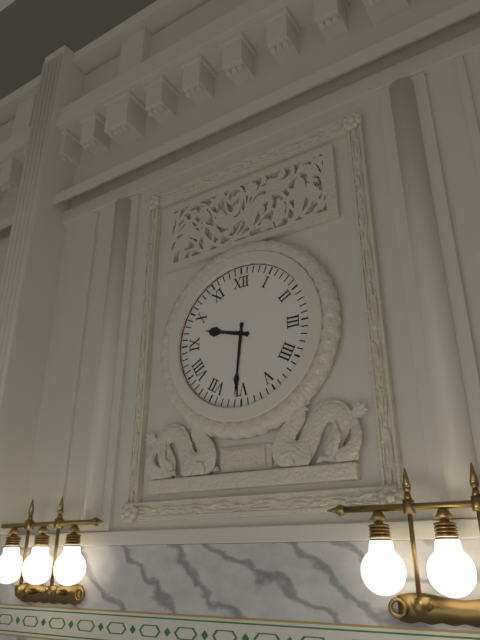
{"hour": 9, "minute": 31}
